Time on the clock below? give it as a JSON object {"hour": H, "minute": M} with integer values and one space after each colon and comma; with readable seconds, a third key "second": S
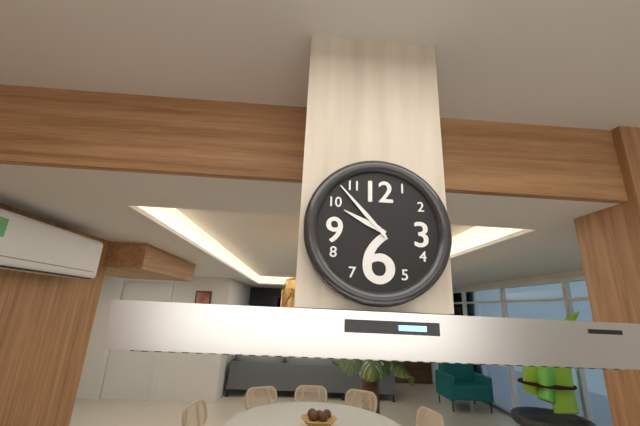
{"hour": 9, "minute": 53}
